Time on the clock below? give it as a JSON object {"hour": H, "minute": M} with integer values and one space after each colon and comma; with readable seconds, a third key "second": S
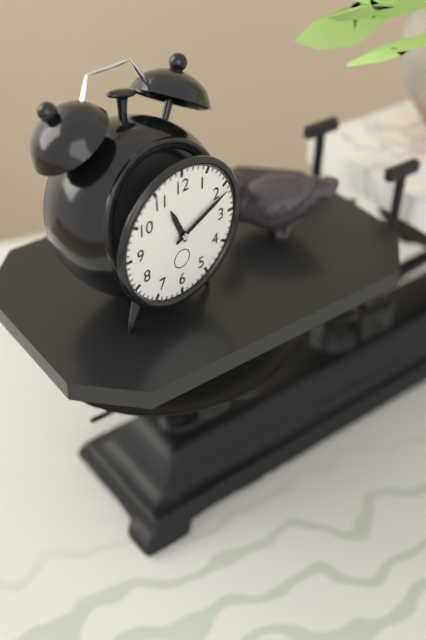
{"hour": 11, "minute": 11}
